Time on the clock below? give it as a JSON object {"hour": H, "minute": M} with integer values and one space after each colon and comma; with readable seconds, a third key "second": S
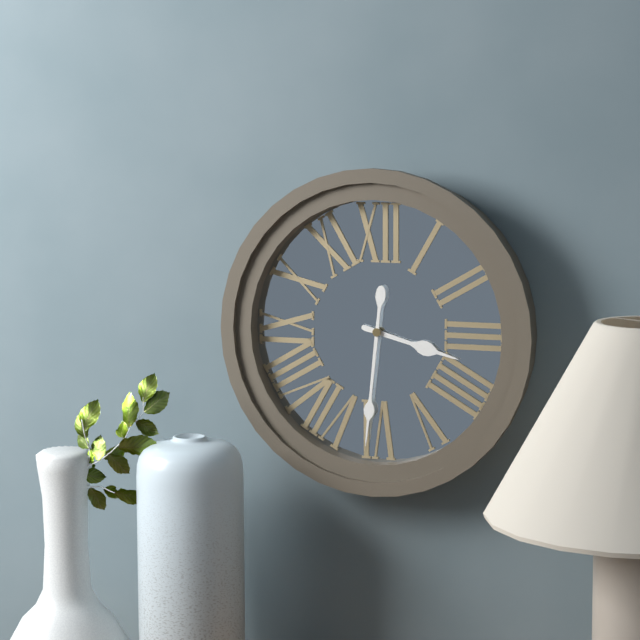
{"hour": 3, "minute": 31}
